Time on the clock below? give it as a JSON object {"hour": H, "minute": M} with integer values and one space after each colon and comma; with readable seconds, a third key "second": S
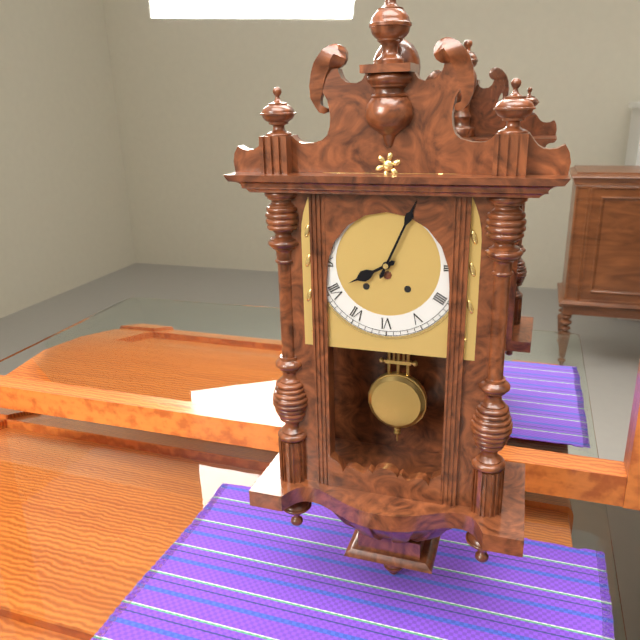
{"hour": 8, "minute": 4}
